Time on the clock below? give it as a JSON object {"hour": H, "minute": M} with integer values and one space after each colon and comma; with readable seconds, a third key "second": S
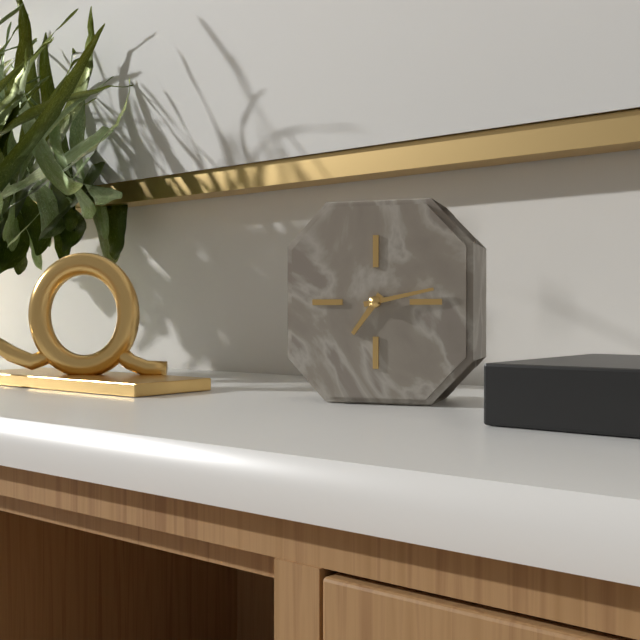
{"hour": 7, "minute": 13}
